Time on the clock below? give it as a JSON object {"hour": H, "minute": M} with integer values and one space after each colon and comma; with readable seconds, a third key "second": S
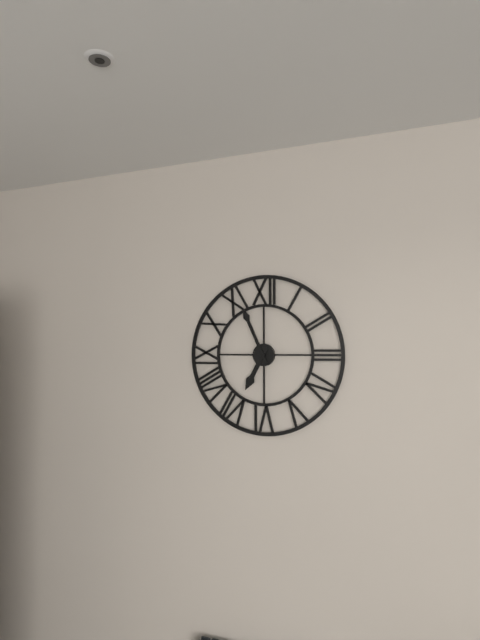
{"hour": 6, "minute": 56}
